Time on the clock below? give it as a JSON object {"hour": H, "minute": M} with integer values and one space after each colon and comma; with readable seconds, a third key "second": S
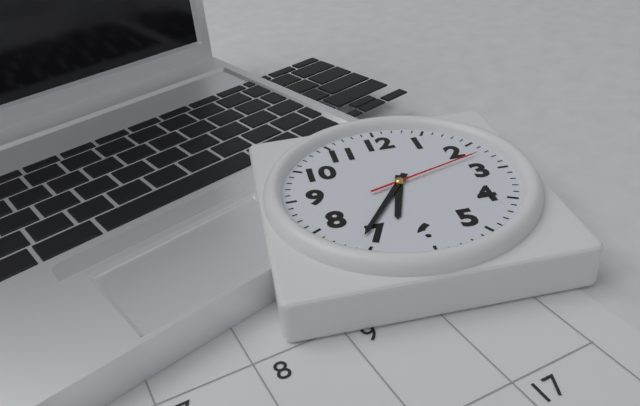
{"hour": 6, "minute": 36, "second": 12}
